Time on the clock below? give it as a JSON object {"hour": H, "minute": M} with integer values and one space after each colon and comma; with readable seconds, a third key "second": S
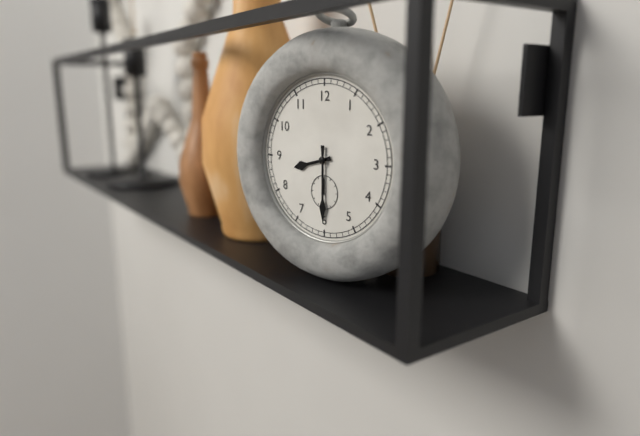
{"hour": 8, "minute": 30}
